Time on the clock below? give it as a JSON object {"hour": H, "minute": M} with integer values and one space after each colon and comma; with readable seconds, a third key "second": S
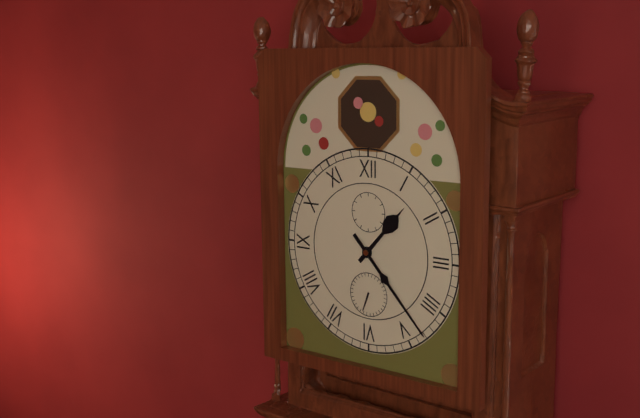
{"hour": 1, "minute": 23}
